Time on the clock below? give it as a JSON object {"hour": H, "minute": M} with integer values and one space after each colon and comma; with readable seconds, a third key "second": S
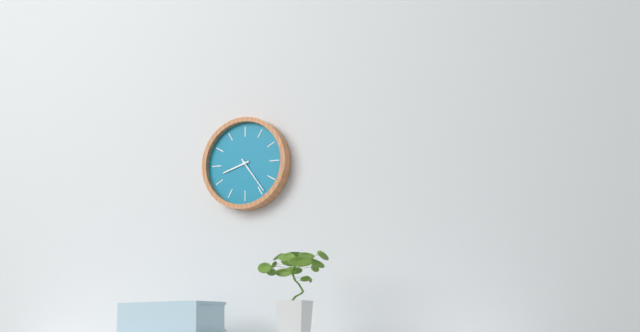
{"hour": 8, "minute": 24}
